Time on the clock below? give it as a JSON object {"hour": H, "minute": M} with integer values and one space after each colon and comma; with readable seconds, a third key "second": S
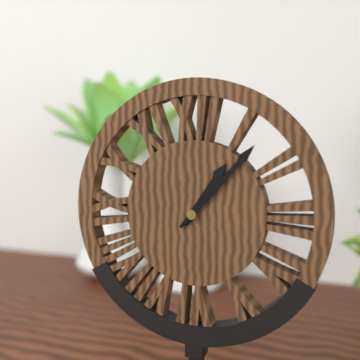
{"hour": 1, "minute": 7}
